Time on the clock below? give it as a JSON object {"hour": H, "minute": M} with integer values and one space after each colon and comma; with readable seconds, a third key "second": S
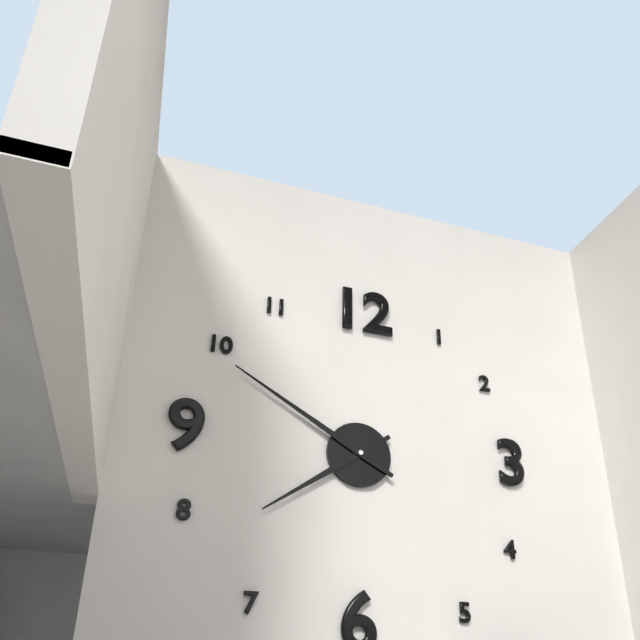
{"hour": 7, "minute": 50}
